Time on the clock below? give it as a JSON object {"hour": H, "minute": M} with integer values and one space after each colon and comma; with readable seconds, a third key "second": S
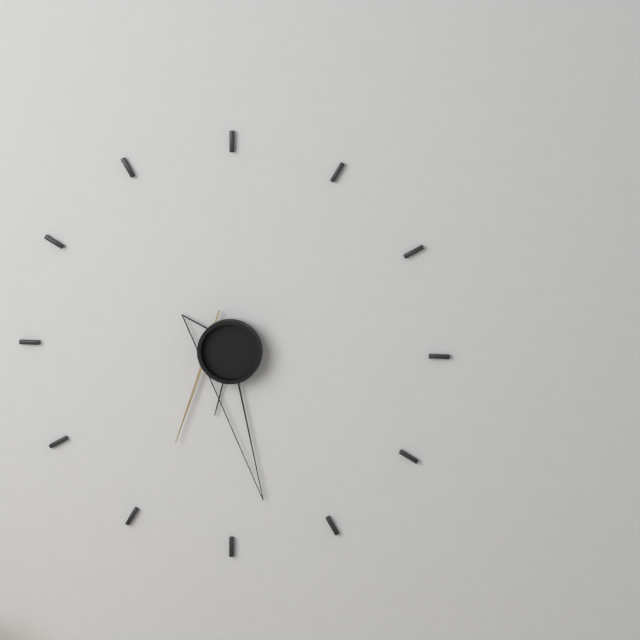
{"hour": 6, "minute": 28, "second": 35}
